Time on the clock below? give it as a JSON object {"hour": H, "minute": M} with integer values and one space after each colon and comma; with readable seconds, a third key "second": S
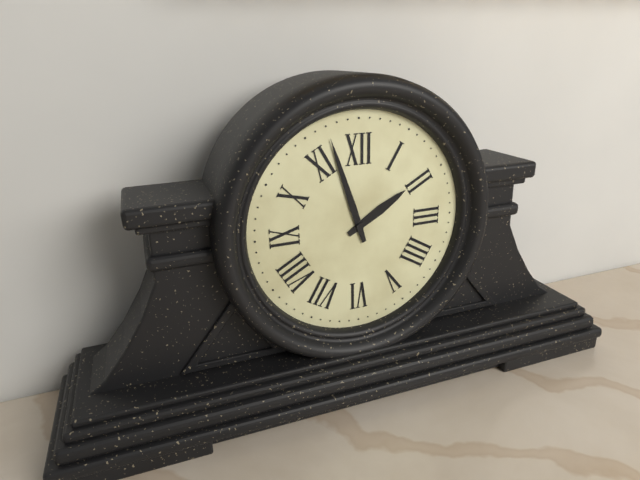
{"hour": 1, "minute": 57}
